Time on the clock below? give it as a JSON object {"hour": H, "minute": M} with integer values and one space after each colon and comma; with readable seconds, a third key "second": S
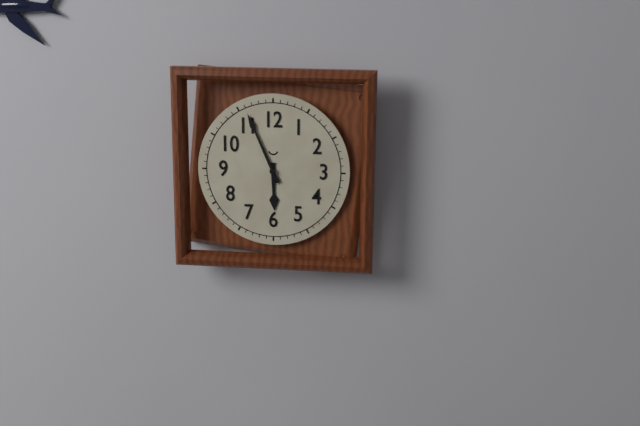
{"hour": 5, "minute": 56}
